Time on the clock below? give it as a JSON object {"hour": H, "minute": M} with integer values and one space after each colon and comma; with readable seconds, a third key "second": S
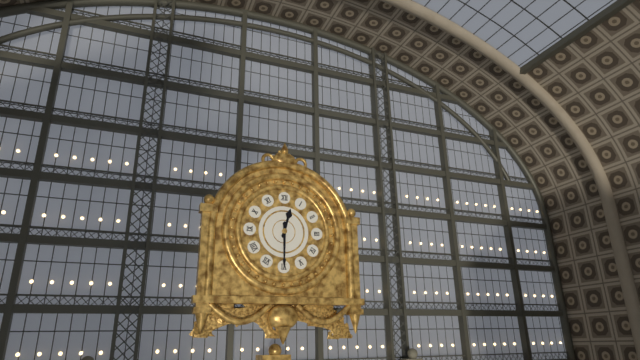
{"hour": 12, "minute": 30}
